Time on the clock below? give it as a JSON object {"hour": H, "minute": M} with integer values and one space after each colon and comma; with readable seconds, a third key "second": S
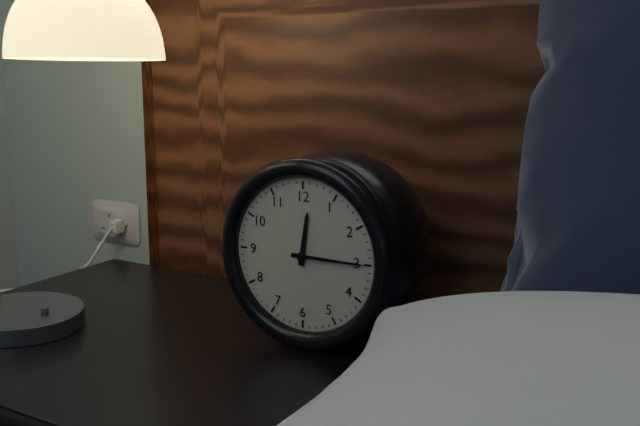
{"hour": 12, "minute": 15}
